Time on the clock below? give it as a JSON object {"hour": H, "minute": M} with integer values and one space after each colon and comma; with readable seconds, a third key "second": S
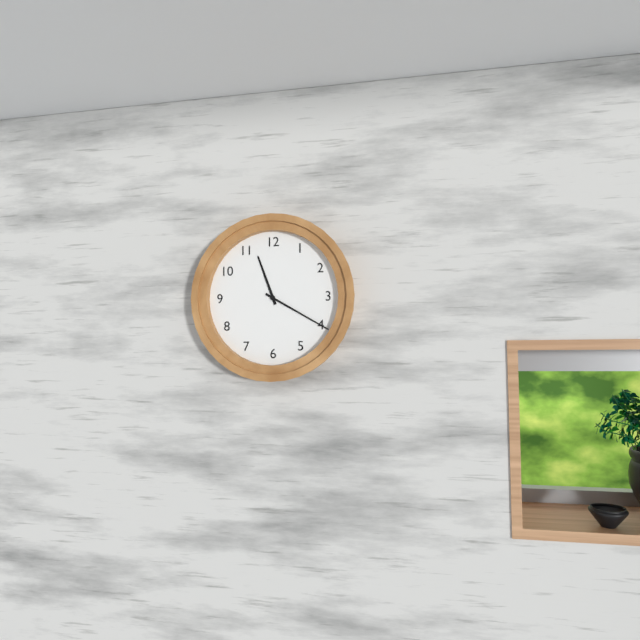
{"hour": 11, "minute": 20}
